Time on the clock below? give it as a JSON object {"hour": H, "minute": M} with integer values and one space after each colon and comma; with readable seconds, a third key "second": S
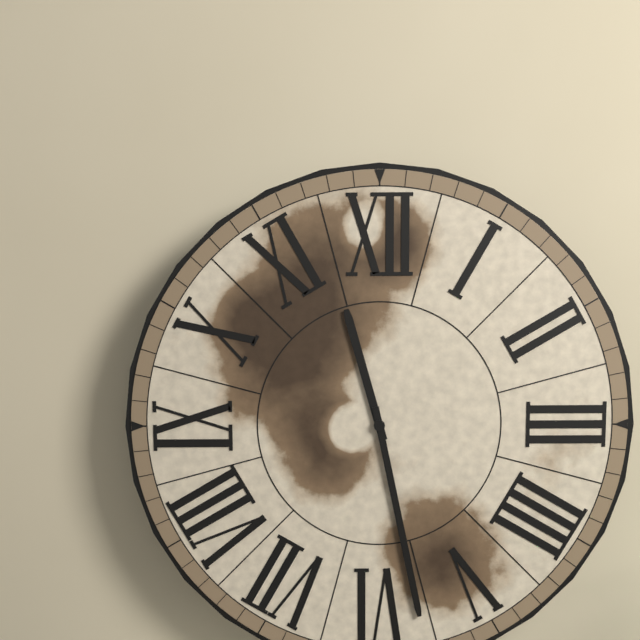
{"hour": 11, "minute": 28}
